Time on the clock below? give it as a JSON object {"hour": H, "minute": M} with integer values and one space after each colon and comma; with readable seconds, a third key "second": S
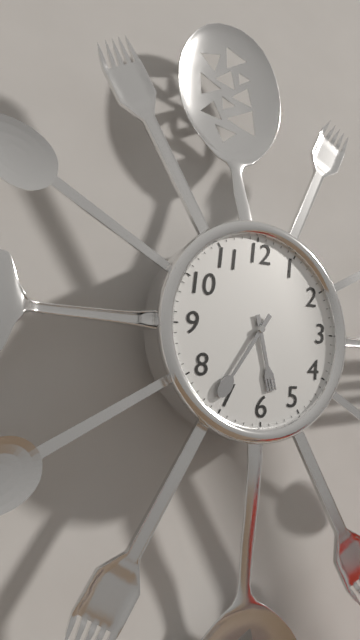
{"hour": 5, "minute": 36}
